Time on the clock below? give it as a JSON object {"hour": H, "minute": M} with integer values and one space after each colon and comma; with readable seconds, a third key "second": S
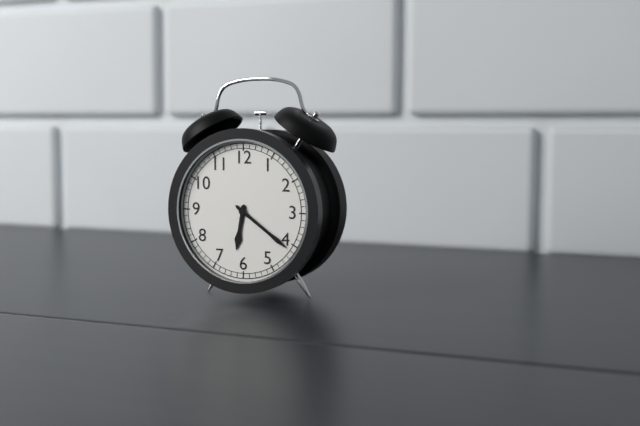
{"hour": 6, "minute": 21}
